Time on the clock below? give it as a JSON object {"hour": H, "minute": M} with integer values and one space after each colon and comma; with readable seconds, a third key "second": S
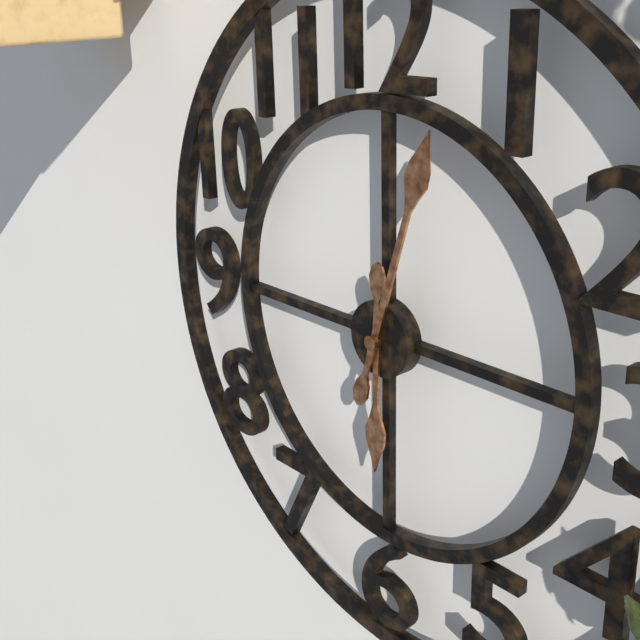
{"hour": 6, "minute": 3}
